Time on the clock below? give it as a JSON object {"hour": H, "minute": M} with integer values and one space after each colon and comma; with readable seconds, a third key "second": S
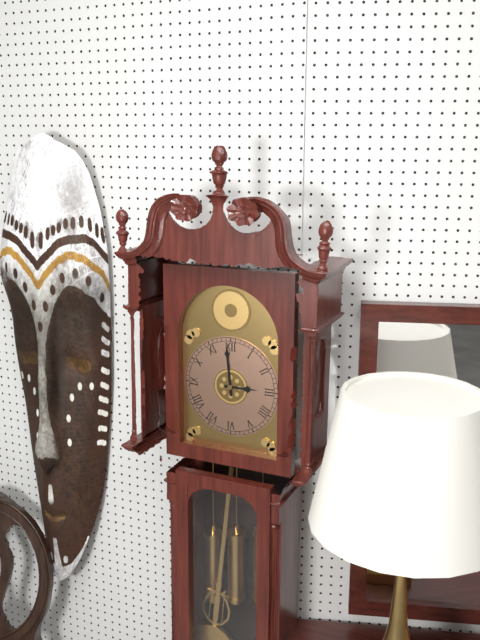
{"hour": 2, "minute": 59}
